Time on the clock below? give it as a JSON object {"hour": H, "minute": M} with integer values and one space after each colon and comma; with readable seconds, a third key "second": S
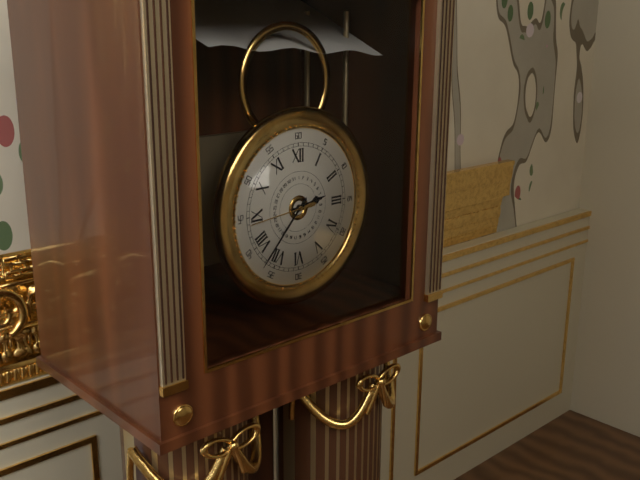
{"hour": 2, "minute": 37, "second": 44}
